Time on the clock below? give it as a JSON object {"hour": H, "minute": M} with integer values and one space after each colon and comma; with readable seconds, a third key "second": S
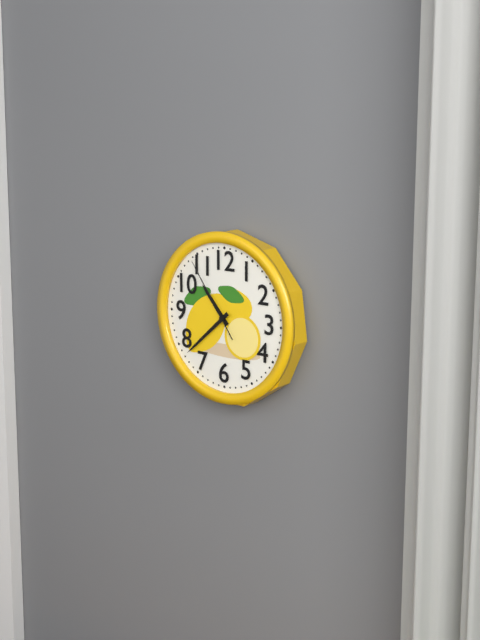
{"hour": 10, "minute": 38, "second": 54}
